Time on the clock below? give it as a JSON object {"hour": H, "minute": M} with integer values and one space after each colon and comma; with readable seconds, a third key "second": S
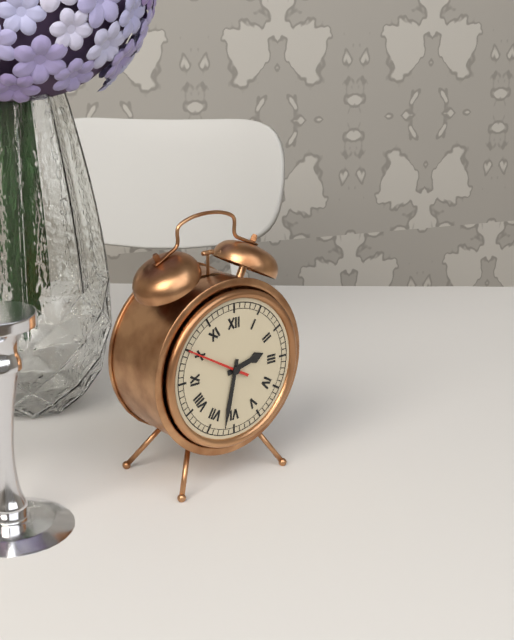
{"hour": 2, "minute": 32, "second": 50}
